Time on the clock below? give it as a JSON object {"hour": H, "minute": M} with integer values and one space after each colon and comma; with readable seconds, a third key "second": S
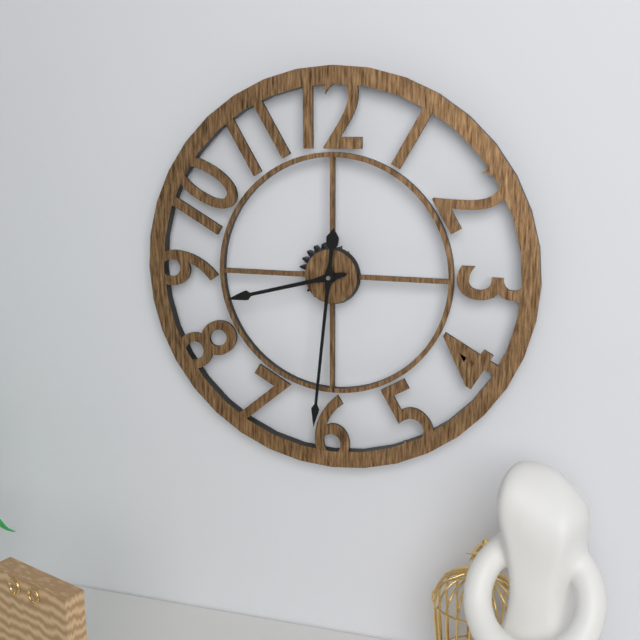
{"hour": 8, "minute": 31}
